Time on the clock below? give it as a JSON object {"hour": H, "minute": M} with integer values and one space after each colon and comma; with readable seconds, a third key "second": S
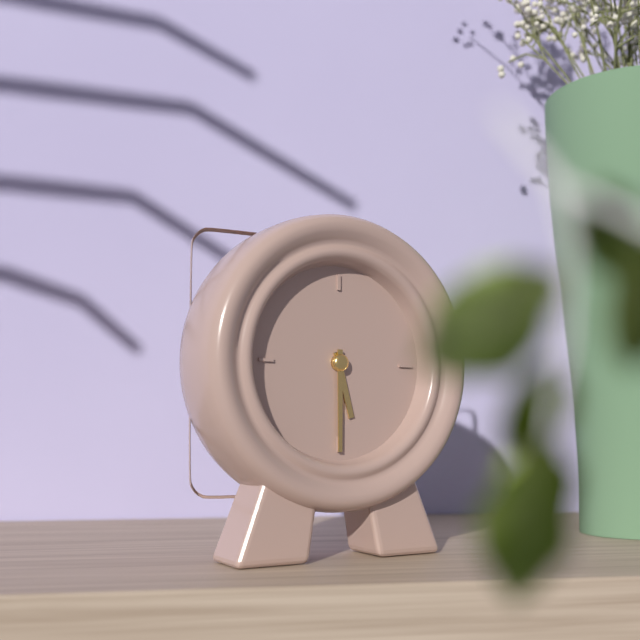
{"hour": 5, "minute": 30}
